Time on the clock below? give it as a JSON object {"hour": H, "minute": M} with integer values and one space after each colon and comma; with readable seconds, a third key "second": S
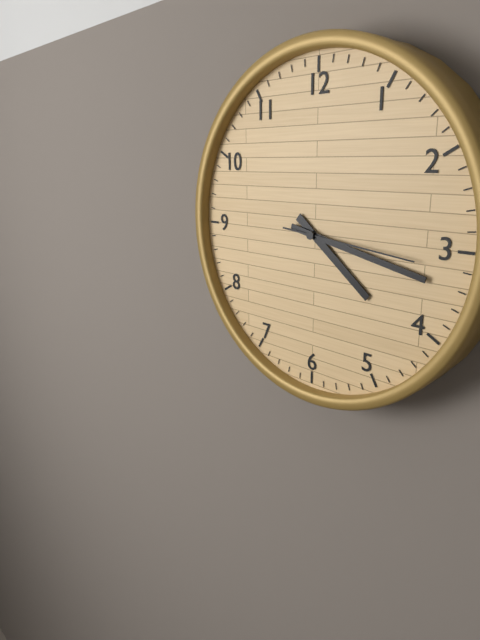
{"hour": 4, "minute": 17, "second": 16}
